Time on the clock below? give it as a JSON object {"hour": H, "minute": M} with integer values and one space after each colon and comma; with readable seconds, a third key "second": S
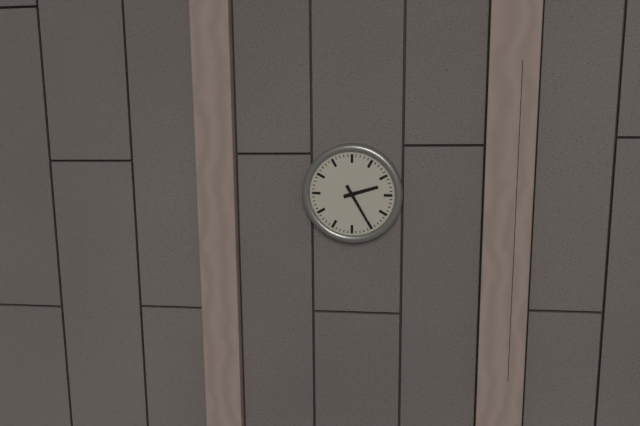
{"hour": 2, "minute": 25}
